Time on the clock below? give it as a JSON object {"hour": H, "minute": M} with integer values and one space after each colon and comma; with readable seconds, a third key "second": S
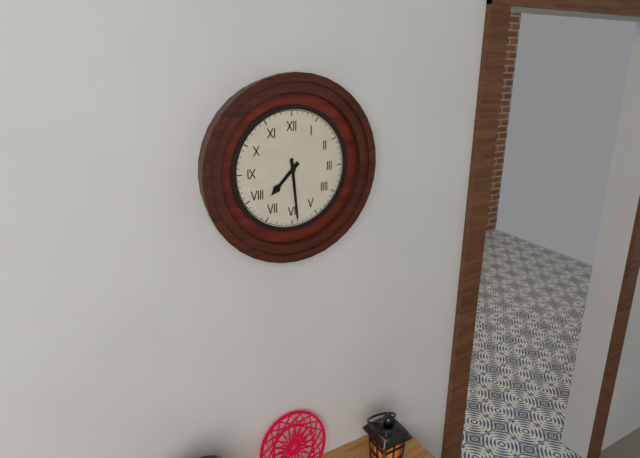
{"hour": 7, "minute": 29}
